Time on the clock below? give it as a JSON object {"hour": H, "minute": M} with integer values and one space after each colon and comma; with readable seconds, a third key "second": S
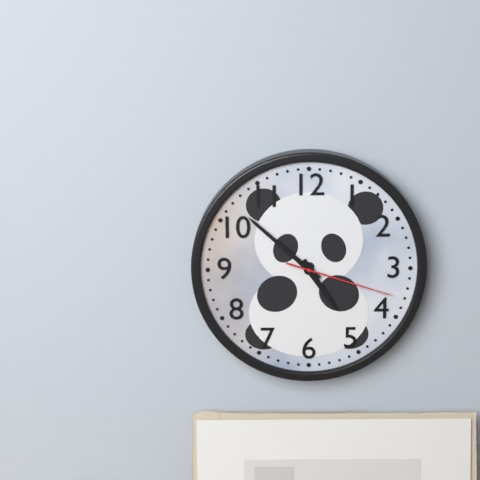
{"hour": 4, "minute": 52, "second": 18}
